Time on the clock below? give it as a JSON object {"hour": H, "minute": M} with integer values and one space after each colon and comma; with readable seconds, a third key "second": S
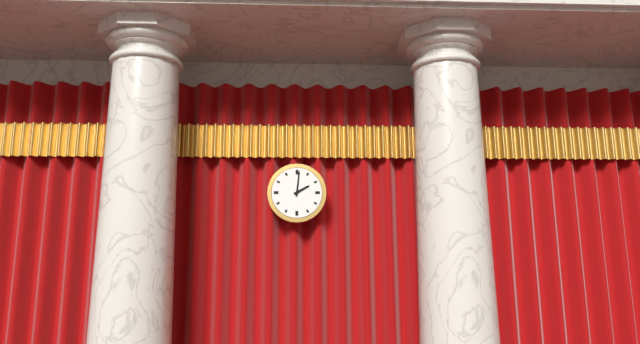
{"hour": 2, "minute": 1}
